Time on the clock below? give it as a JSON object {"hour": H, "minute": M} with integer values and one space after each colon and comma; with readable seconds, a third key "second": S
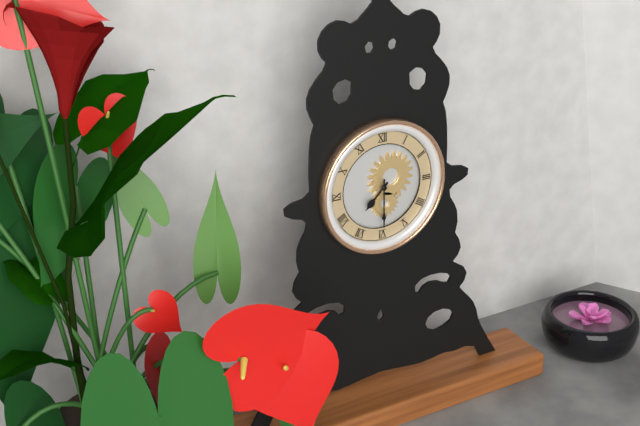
{"hour": 7, "minute": 30}
